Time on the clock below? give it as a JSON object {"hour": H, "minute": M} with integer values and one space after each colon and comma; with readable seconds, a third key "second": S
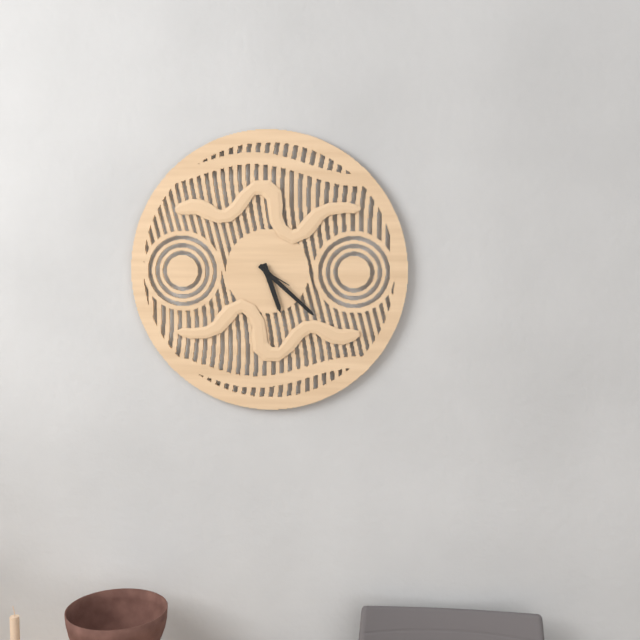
{"hour": 5, "minute": 22}
